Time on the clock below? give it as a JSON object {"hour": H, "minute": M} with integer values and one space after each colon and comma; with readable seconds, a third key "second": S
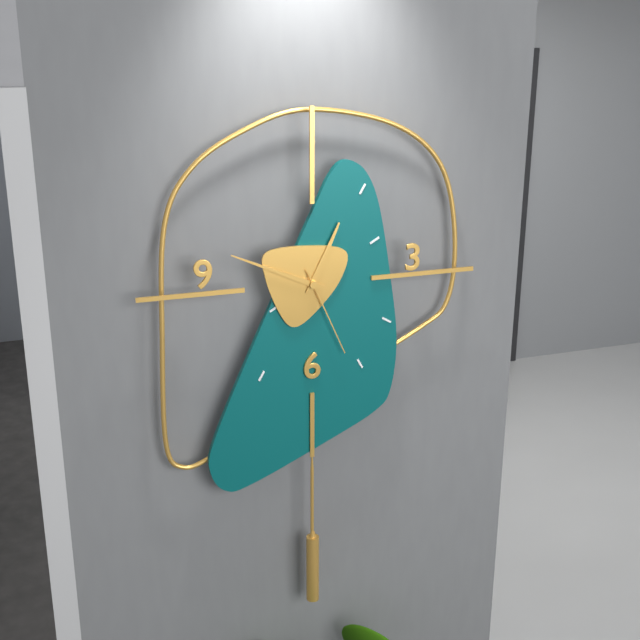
{"hour": 12, "minute": 49, "second": 26}
